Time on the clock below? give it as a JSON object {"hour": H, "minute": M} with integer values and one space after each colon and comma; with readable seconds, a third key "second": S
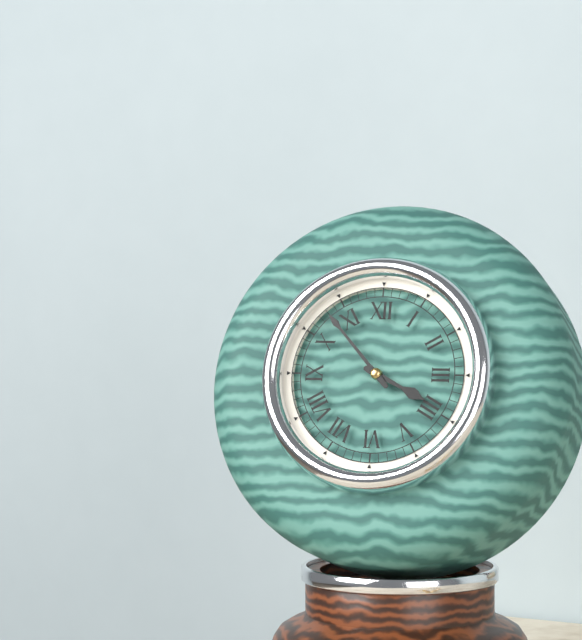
{"hour": 3, "minute": 53}
